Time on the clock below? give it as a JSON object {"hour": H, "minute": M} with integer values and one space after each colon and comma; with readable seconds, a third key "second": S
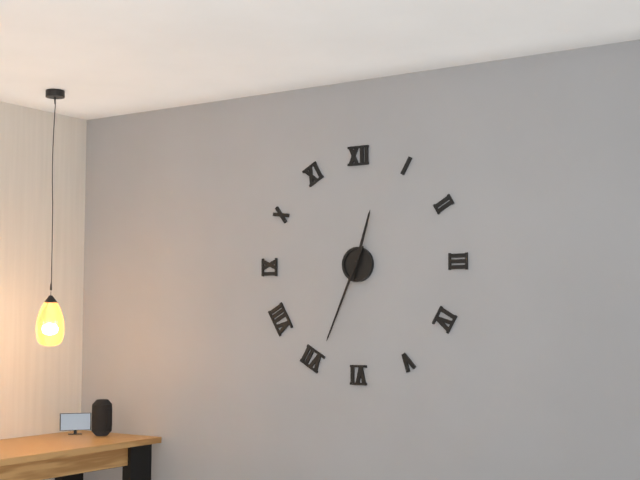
{"hour": 12, "minute": 34}
